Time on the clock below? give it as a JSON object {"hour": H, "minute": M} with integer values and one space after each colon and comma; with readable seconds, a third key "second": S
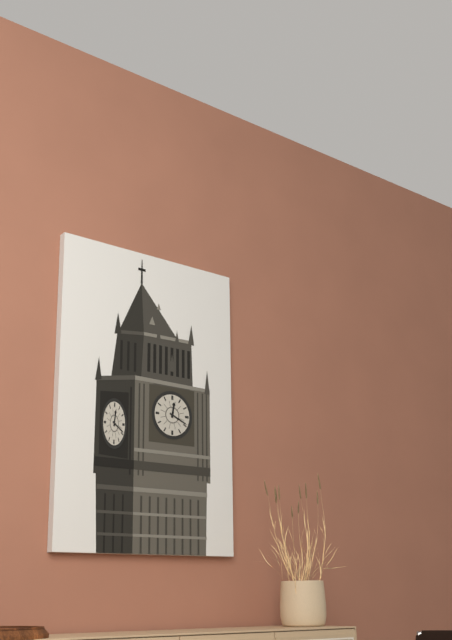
{"hour": 12, "minute": 19}
